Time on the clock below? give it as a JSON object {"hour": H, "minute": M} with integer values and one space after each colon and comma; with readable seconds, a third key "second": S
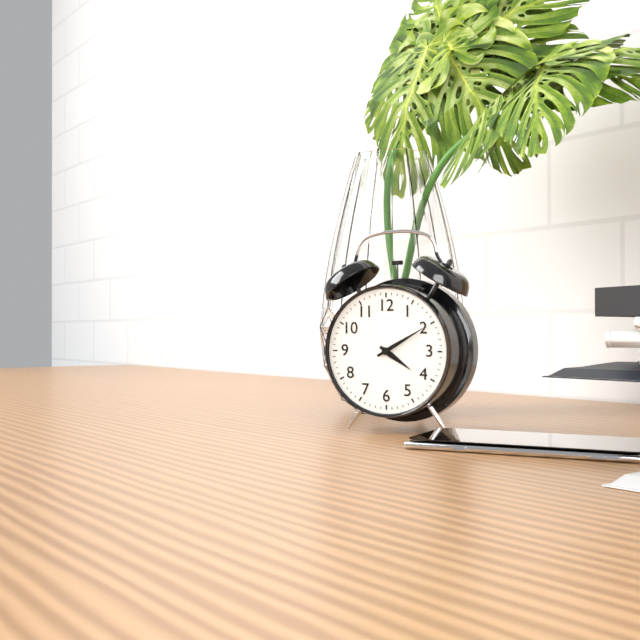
{"hour": 4, "minute": 10}
